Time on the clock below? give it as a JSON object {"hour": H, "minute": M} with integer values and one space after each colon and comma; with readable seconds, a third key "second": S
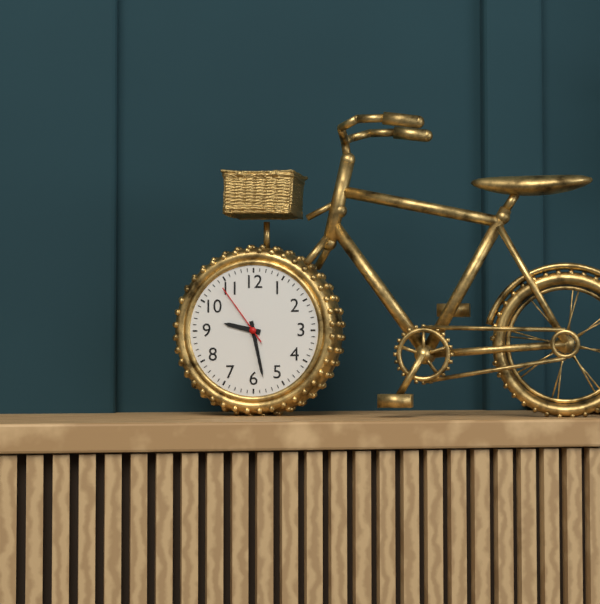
{"hour": 9, "minute": 28, "second": 54}
